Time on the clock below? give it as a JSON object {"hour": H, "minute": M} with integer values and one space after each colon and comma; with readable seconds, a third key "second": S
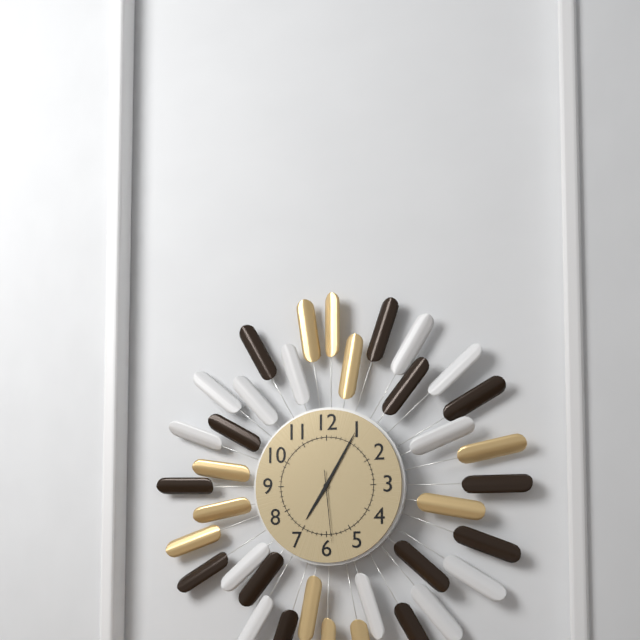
{"hour": 7, "minute": 5, "second": 29}
